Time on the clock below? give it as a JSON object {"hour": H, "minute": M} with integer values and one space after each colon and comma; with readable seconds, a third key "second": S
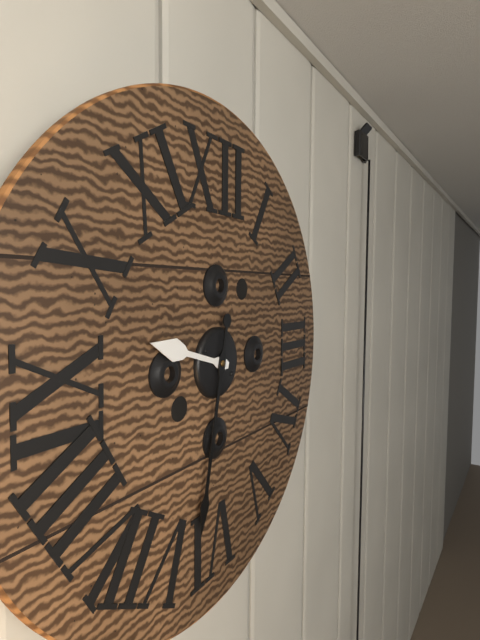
{"hour": 9, "minute": 32}
